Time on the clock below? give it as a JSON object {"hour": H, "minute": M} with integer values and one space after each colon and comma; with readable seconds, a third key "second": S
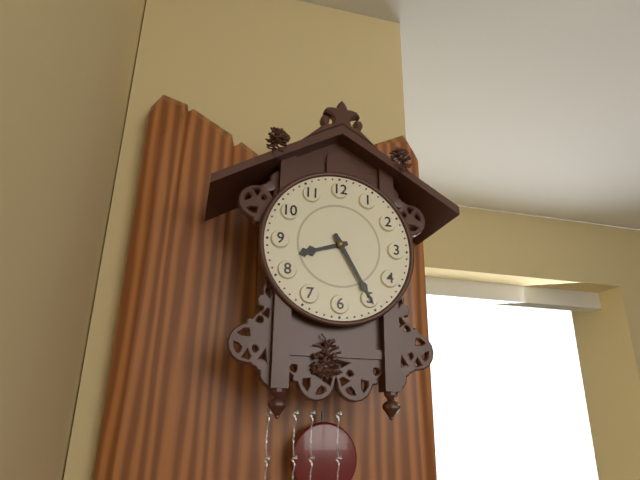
{"hour": 8, "minute": 25}
